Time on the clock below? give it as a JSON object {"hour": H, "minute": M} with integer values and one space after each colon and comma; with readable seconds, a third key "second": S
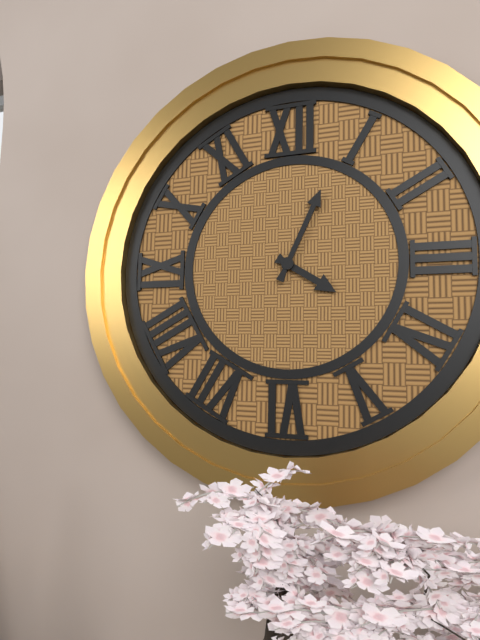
{"hour": 4, "minute": 4}
